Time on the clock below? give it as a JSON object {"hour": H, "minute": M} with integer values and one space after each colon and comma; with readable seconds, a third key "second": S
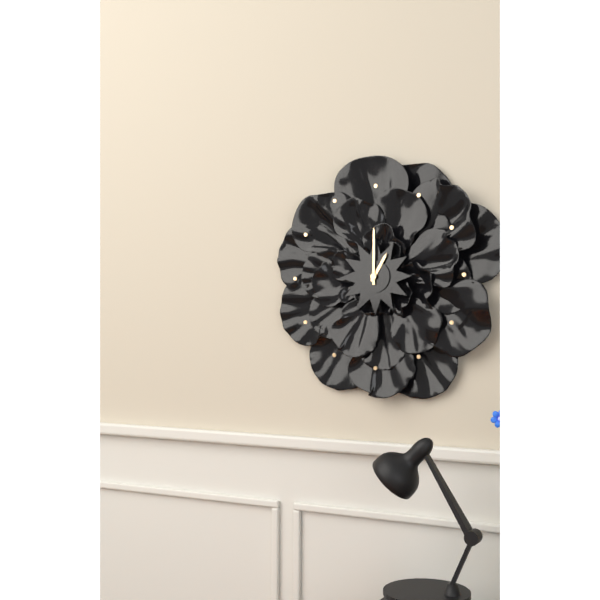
{"hour": 1, "minute": 0}
